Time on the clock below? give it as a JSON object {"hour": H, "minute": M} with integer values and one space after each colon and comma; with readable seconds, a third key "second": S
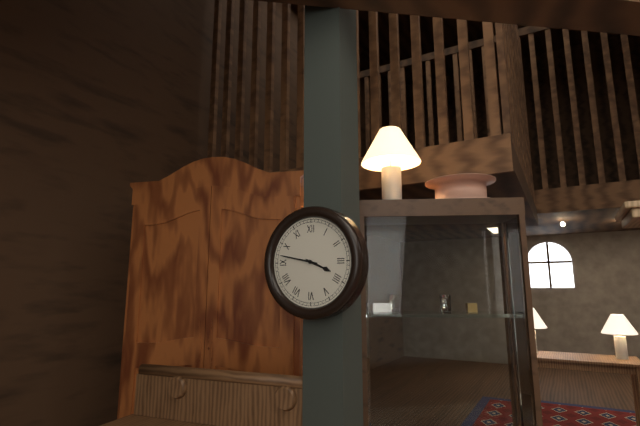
{"hour": 3, "minute": 47}
